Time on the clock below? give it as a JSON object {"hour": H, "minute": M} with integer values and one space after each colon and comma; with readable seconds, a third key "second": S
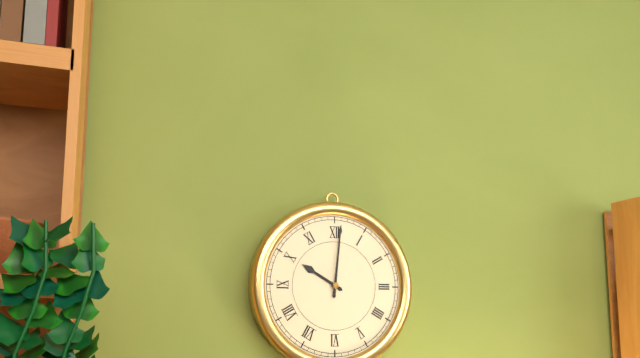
{"hour": 10, "minute": 1}
